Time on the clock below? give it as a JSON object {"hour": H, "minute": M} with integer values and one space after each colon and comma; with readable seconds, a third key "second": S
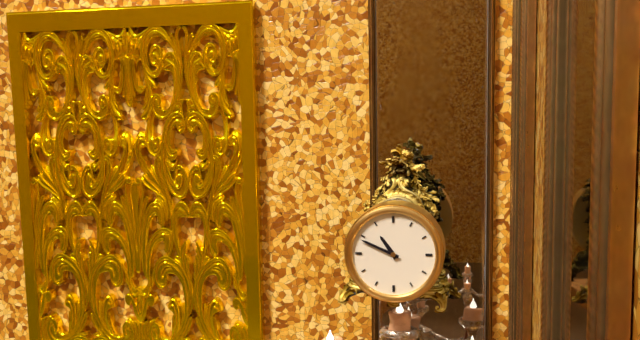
{"hour": 10, "minute": 49}
